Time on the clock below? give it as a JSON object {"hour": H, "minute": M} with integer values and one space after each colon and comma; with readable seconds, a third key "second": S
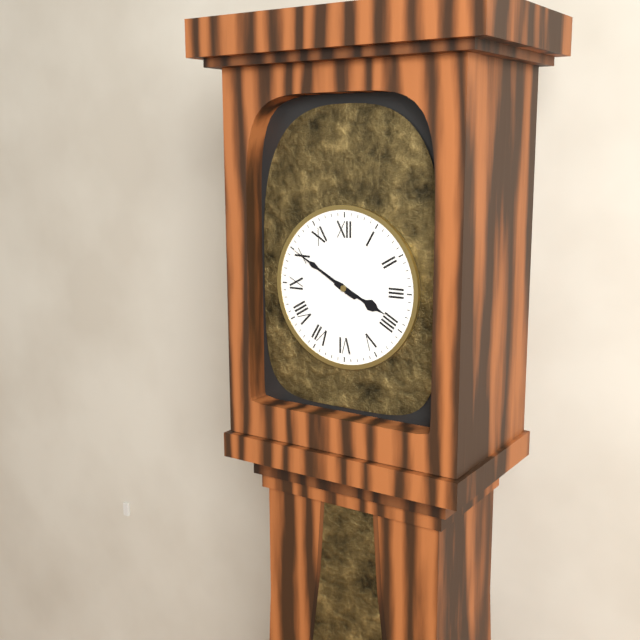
{"hour": 3, "minute": 50}
